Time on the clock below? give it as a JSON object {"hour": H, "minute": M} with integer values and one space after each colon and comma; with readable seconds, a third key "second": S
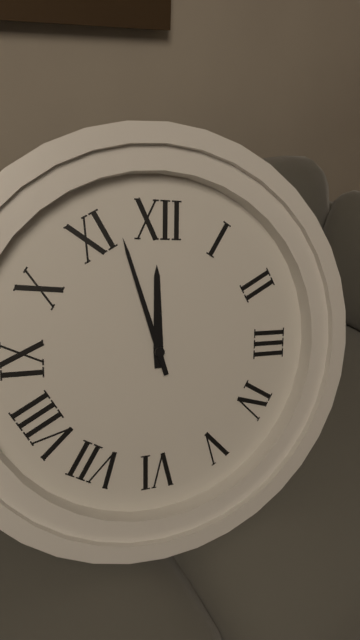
{"hour": 11, "minute": 57}
